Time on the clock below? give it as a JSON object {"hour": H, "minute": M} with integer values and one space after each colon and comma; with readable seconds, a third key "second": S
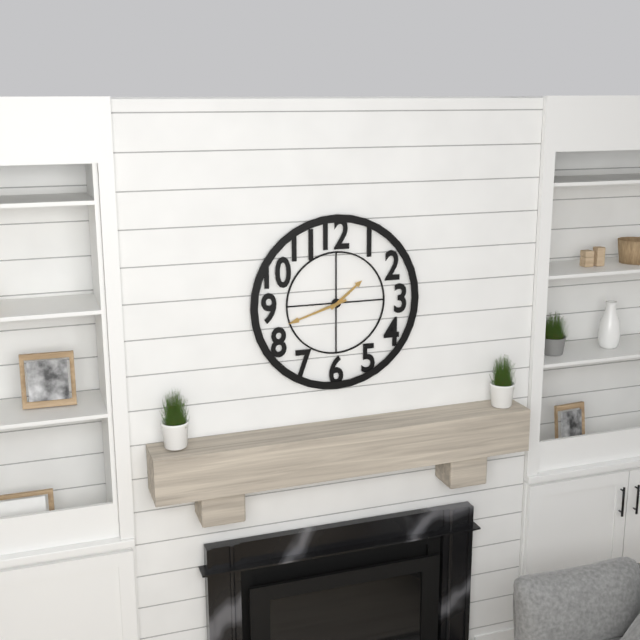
{"hour": 1, "minute": 42}
